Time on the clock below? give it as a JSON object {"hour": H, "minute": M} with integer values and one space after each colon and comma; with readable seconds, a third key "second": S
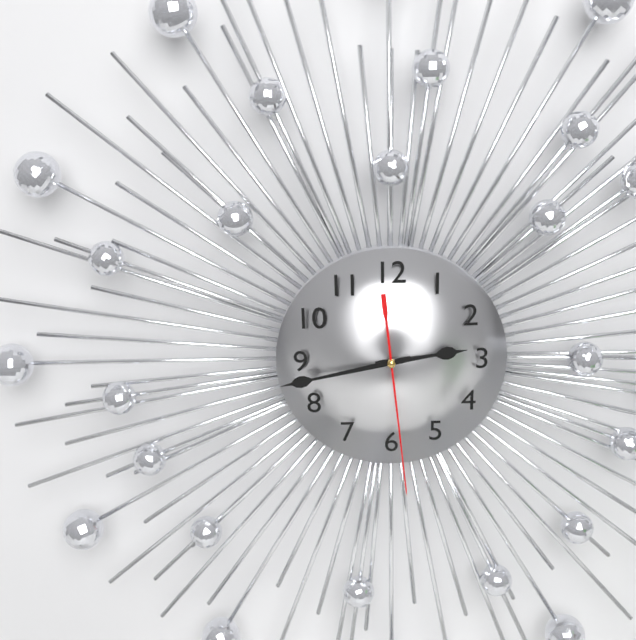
{"hour": 2, "minute": 43, "second": 29}
